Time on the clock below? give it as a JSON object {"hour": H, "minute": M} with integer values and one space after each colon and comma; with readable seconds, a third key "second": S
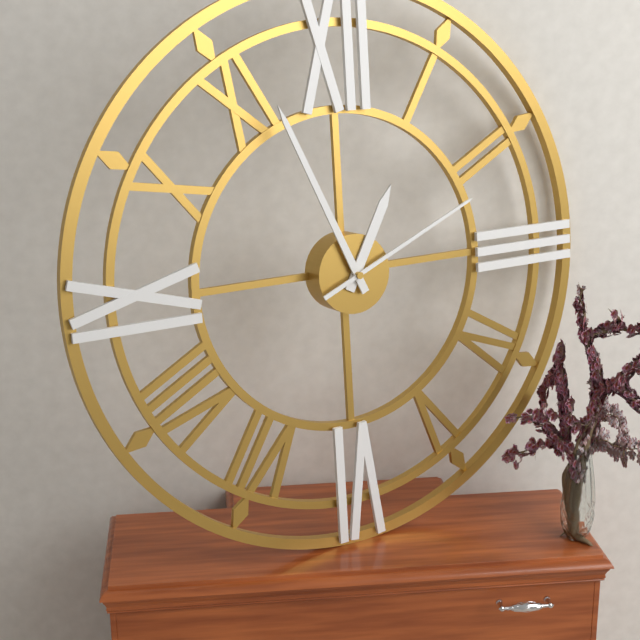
{"hour": 12, "minute": 56, "second": 11}
